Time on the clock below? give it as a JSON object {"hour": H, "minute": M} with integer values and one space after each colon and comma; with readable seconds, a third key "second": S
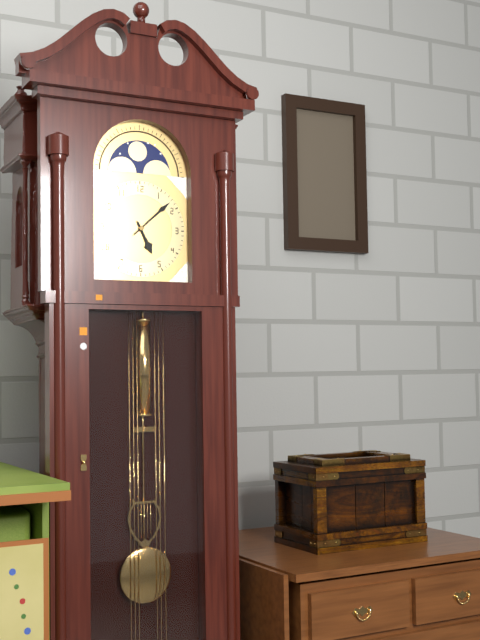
{"hour": 5, "minute": 8}
